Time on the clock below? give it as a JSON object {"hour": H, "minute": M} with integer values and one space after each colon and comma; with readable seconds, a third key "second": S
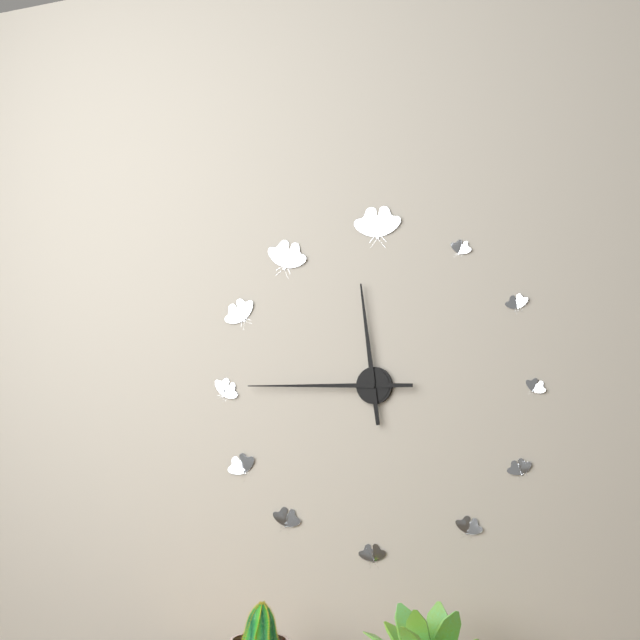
{"hour": 11, "minute": 45}
